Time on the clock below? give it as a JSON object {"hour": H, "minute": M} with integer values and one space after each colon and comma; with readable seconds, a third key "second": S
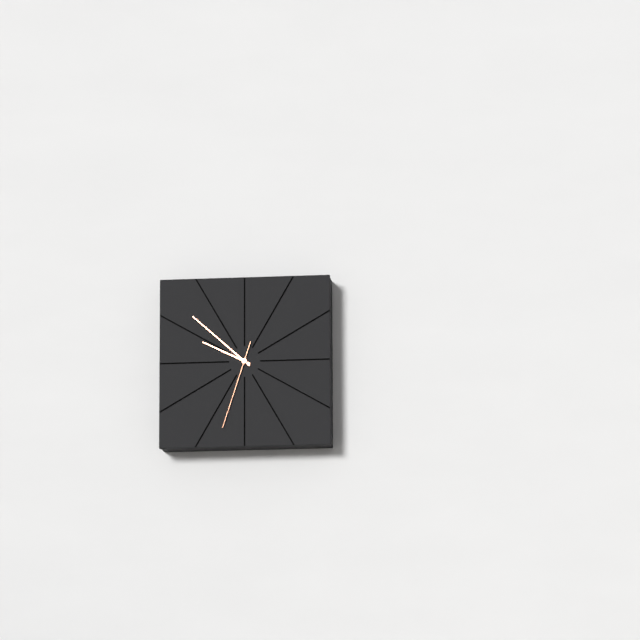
{"hour": 9, "minute": 52, "second": 33}
